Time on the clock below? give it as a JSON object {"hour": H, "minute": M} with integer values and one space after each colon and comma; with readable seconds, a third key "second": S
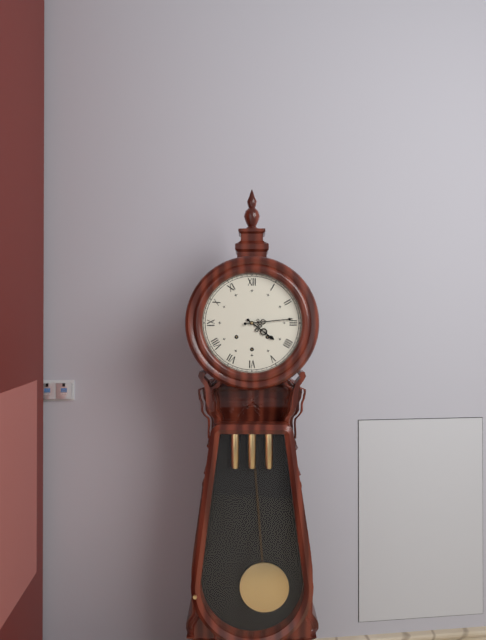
{"hour": 4, "minute": 14}
